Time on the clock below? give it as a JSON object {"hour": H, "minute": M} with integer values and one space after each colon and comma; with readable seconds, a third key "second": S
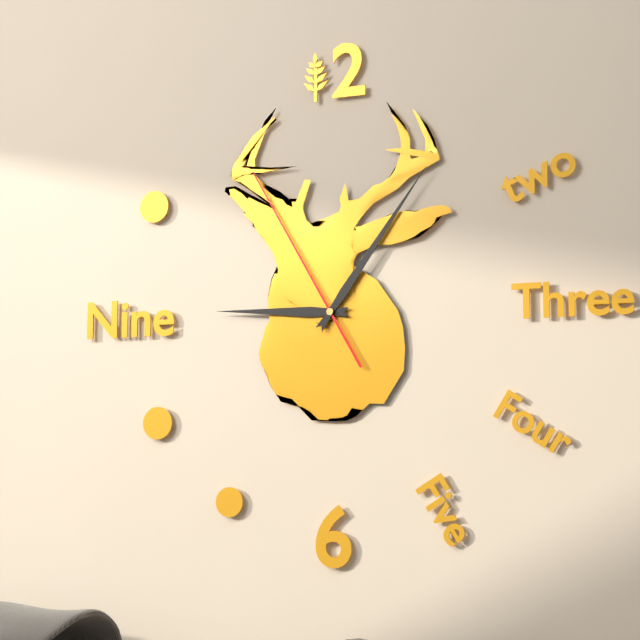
{"hour": 9, "minute": 6, "second": 55}
